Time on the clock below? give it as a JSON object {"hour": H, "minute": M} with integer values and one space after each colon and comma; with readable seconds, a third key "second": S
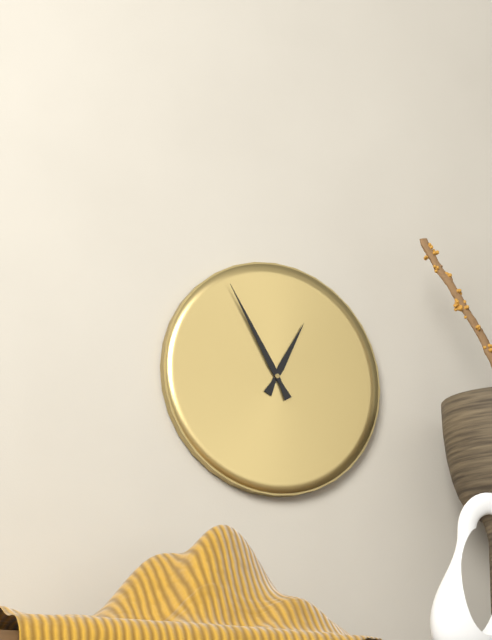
{"hour": 12, "minute": 55}
